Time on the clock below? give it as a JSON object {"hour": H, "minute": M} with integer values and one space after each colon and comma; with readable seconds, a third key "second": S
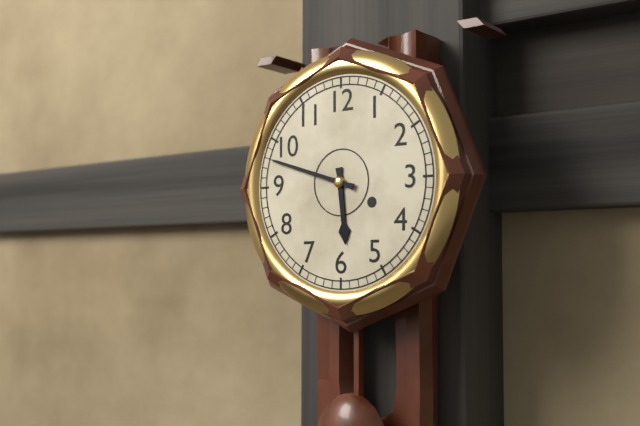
{"hour": 5, "minute": 48}
